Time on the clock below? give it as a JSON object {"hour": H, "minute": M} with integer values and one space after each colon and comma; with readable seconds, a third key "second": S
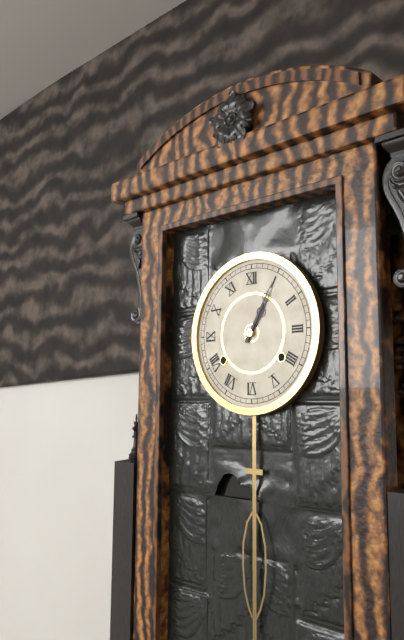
{"hour": 1, "minute": 5}
